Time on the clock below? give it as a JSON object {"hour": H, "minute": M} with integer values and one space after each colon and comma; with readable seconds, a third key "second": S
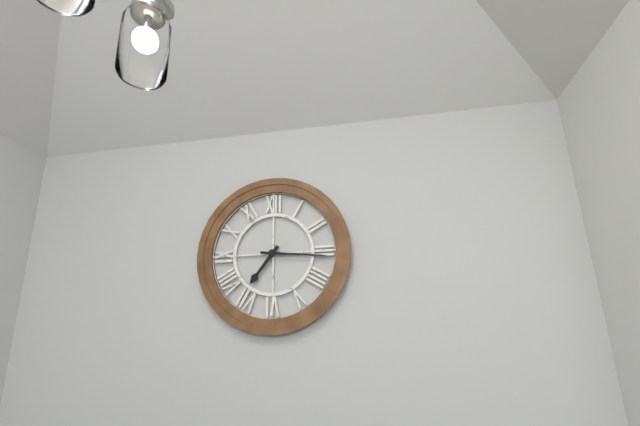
{"hour": 7, "minute": 16}
